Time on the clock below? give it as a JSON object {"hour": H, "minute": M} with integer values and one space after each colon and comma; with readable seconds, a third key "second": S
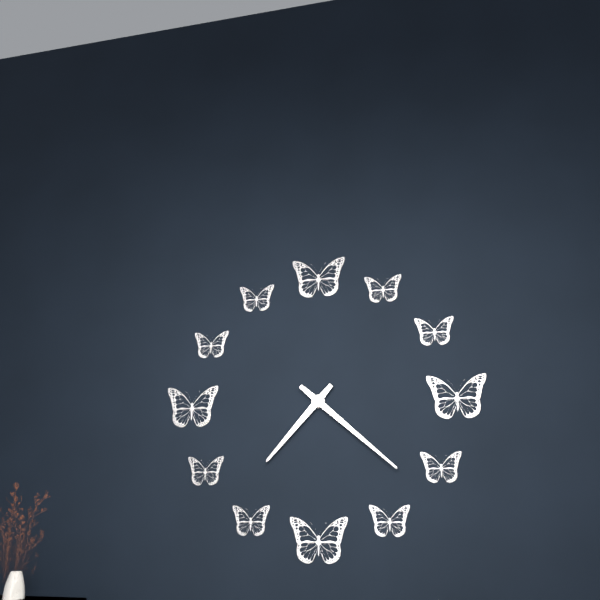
{"hour": 7, "minute": 22}
